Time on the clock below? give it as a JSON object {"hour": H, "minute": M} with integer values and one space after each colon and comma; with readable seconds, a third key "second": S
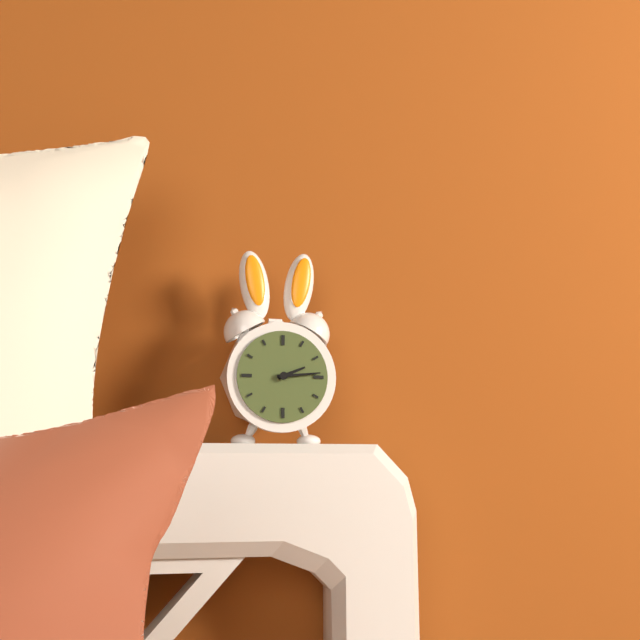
{"hour": 2, "minute": 14}
